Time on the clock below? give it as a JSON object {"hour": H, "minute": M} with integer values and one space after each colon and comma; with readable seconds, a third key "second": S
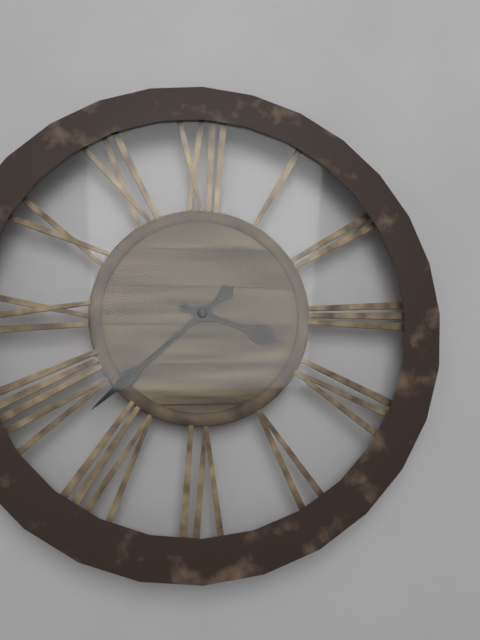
{"hour": 3, "minute": 38}
